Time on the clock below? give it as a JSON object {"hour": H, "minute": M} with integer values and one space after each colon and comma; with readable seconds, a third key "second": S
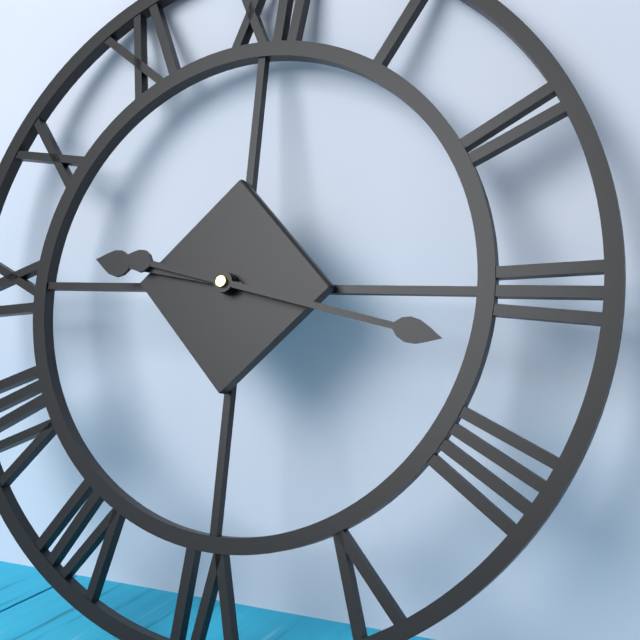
{"hour": 9, "minute": 17}
